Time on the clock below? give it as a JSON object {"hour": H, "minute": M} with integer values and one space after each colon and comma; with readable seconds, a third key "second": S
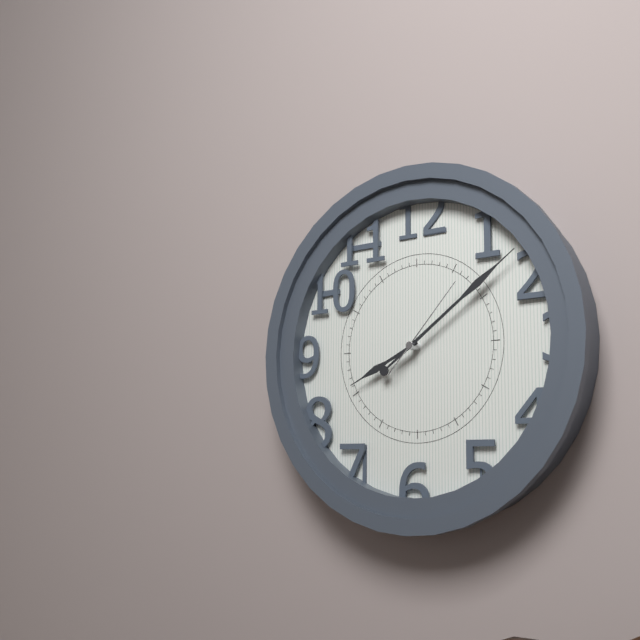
{"hour": 8, "minute": 9, "second": 7}
